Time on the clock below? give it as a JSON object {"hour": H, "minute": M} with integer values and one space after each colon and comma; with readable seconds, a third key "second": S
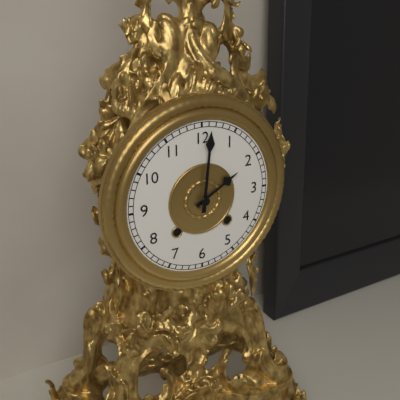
{"hour": 2, "minute": 1}
